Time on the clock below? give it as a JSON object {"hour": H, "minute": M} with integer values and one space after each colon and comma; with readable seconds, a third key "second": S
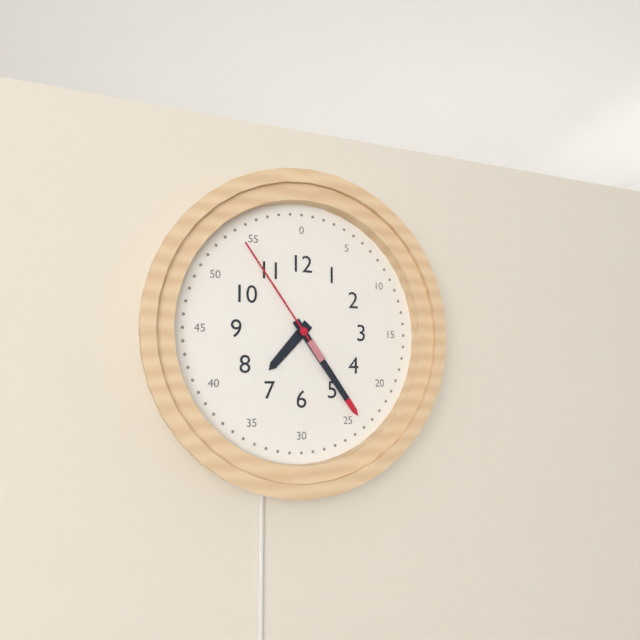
{"hour": 7, "minute": 24, "second": 54}
